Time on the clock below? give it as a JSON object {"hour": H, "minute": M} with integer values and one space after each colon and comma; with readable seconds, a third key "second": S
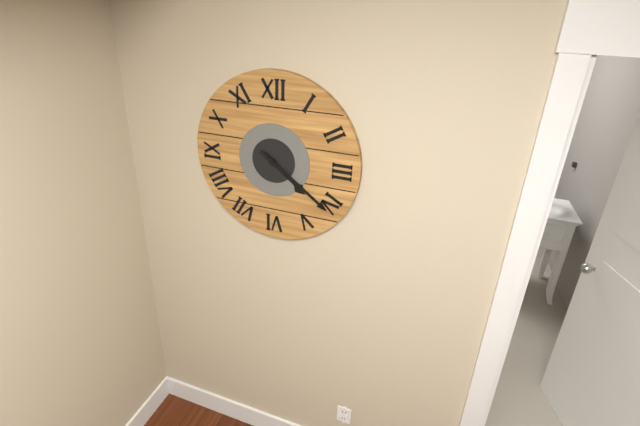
{"hour": 4, "minute": 21}
